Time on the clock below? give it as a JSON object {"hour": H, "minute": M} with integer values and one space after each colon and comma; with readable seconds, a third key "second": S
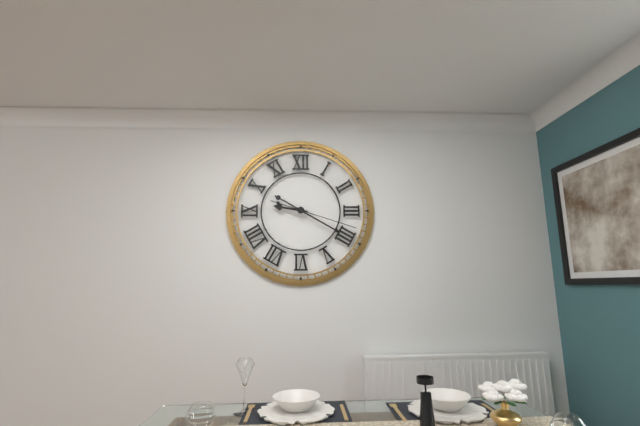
{"hour": 9, "minute": 20, "second": 18}
